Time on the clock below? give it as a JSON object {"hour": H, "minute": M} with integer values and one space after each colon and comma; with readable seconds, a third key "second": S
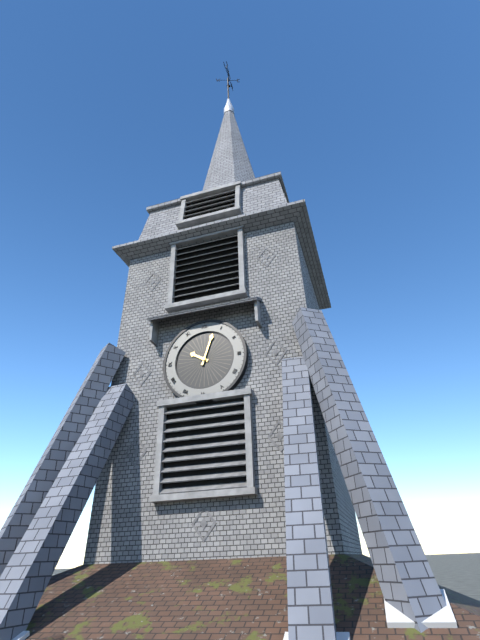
{"hour": 10, "minute": 3}
